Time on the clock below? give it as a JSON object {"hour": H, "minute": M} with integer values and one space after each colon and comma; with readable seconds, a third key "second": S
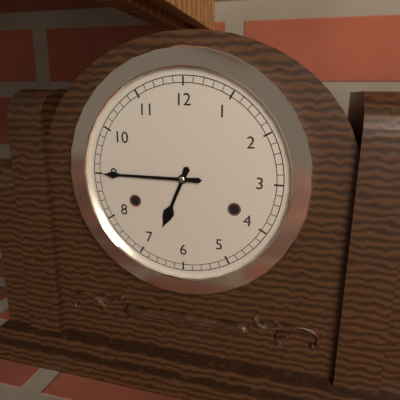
{"hour": 6, "minute": 45}
